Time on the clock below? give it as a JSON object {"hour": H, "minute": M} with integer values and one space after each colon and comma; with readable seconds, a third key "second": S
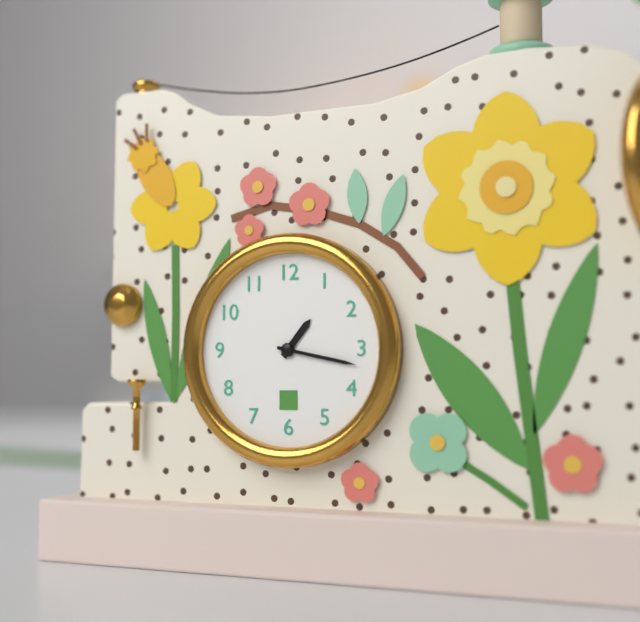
{"hour": 1, "minute": 17}
